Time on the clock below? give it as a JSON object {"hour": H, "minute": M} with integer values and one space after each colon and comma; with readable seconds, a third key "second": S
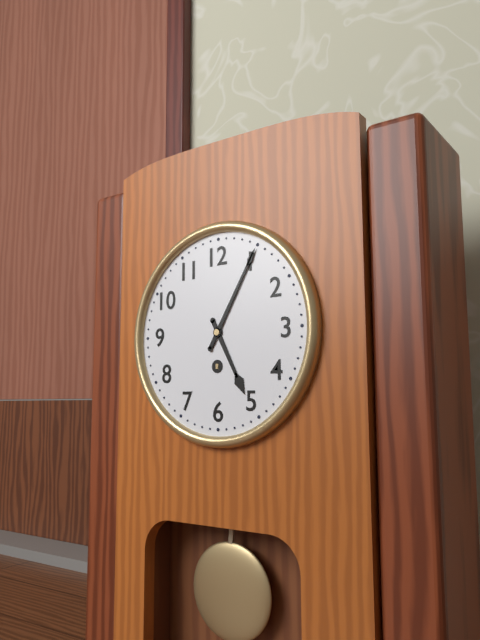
{"hour": 5, "minute": 5}
